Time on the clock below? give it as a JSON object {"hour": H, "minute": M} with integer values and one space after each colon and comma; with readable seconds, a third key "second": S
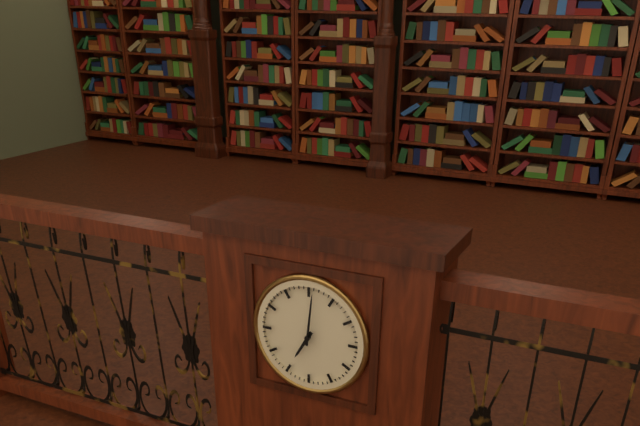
{"hour": 7, "minute": 1}
